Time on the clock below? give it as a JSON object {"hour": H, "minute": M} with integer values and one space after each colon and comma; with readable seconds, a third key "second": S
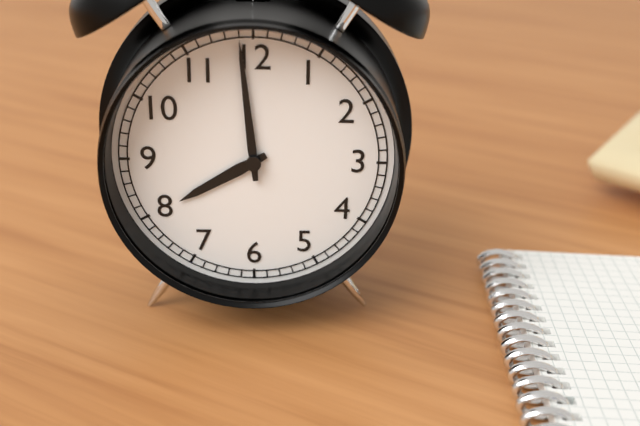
{"hour": 7, "minute": 59}
